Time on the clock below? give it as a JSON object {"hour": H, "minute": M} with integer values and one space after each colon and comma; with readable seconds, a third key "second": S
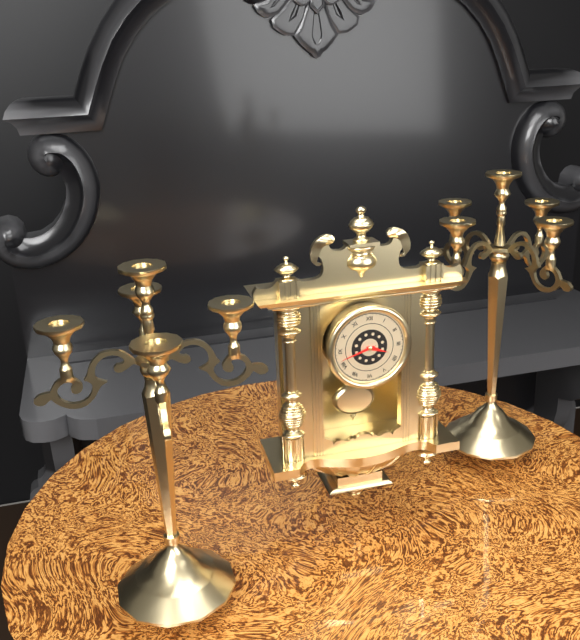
{"hour": 3, "minute": 42}
